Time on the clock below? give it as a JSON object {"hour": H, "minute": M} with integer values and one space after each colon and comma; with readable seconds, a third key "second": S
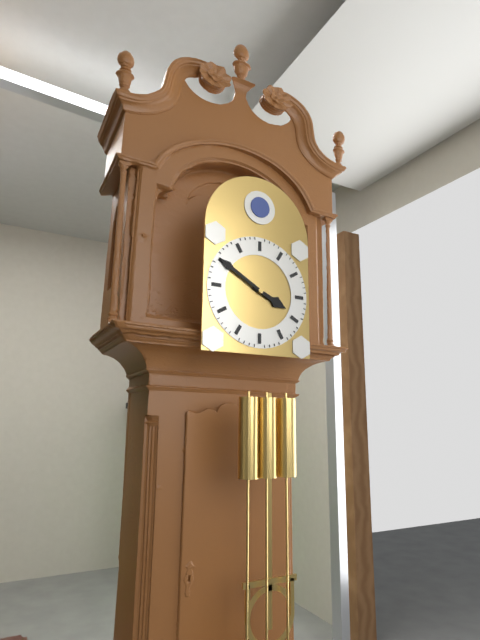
{"hour": 3, "minute": 50}
